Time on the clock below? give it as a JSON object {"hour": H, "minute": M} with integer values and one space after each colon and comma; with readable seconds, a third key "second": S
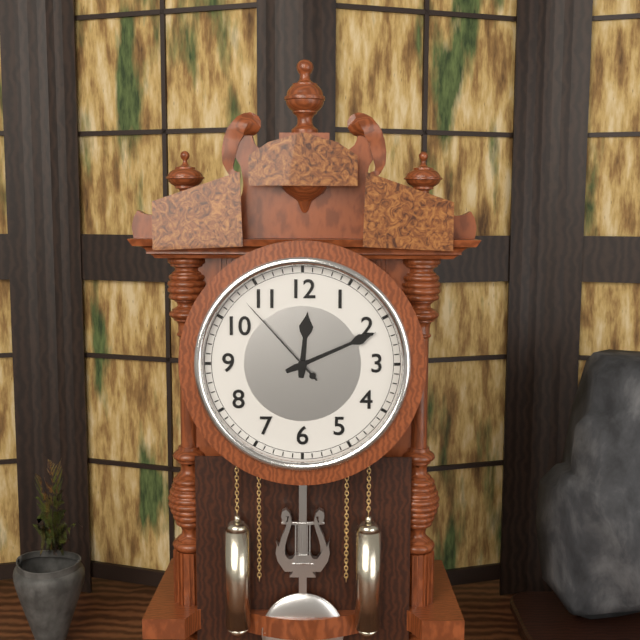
{"hour": 12, "minute": 11, "second": 53}
